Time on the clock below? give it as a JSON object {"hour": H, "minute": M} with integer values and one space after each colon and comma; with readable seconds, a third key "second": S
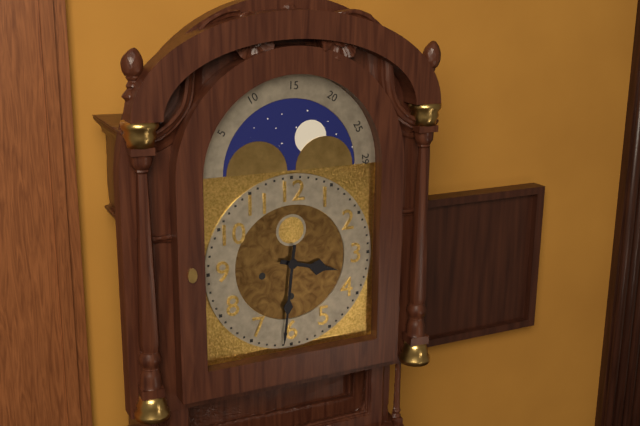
{"hour": 3, "minute": 31}
